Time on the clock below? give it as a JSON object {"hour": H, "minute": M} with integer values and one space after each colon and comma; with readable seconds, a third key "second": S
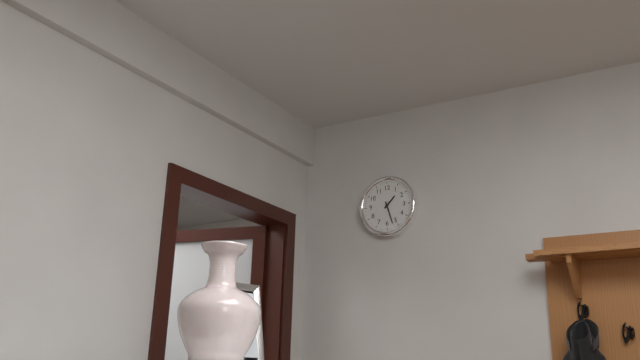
{"hour": 1, "minute": 27}
